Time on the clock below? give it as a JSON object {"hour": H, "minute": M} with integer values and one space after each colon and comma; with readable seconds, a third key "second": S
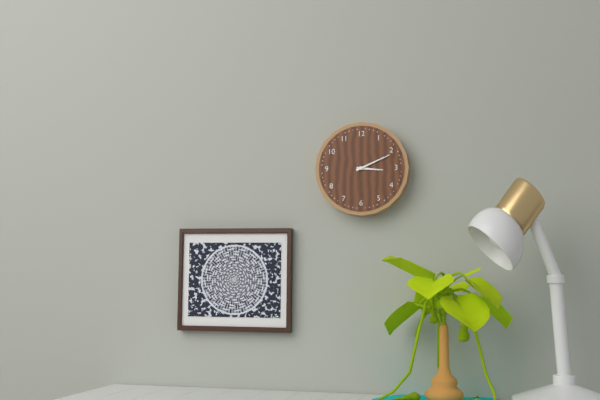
{"hour": 3, "minute": 11}
